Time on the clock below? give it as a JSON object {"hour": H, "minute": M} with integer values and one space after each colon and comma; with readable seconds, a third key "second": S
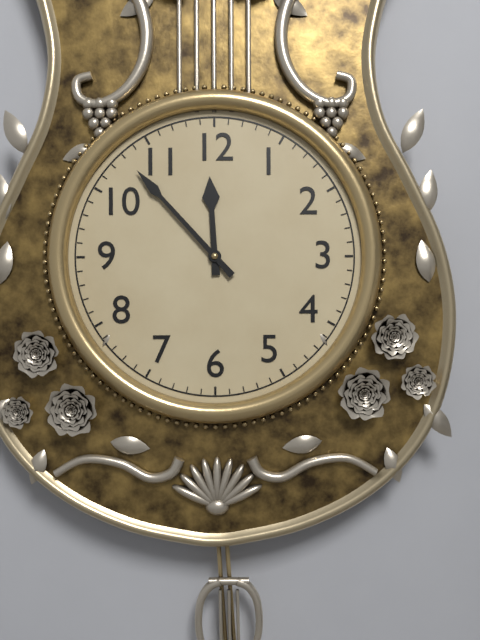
{"hour": 11, "minute": 53}
